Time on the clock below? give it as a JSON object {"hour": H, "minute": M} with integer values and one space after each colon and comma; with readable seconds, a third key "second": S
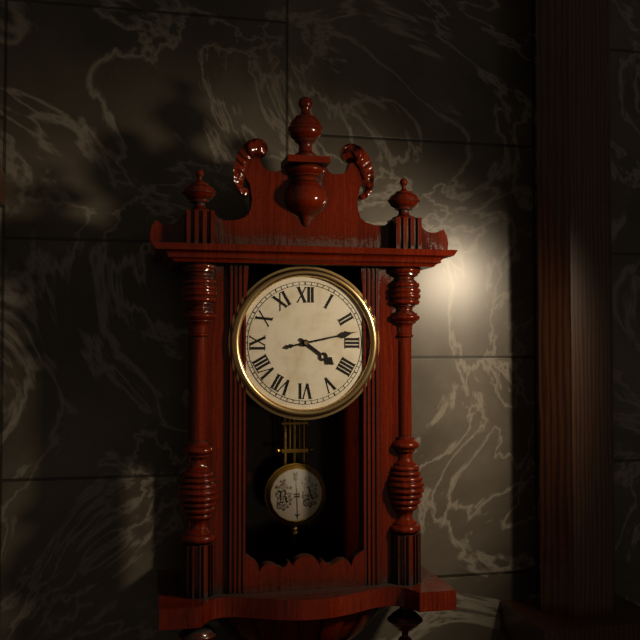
{"hour": 4, "minute": 13}
